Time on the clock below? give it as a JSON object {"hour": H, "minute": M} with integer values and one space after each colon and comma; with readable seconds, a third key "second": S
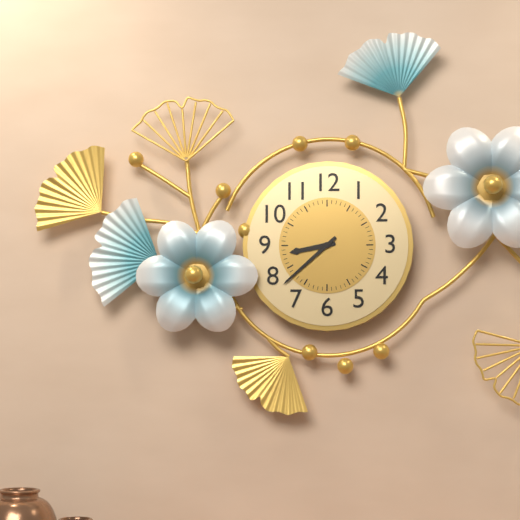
{"hour": 8, "minute": 38}
